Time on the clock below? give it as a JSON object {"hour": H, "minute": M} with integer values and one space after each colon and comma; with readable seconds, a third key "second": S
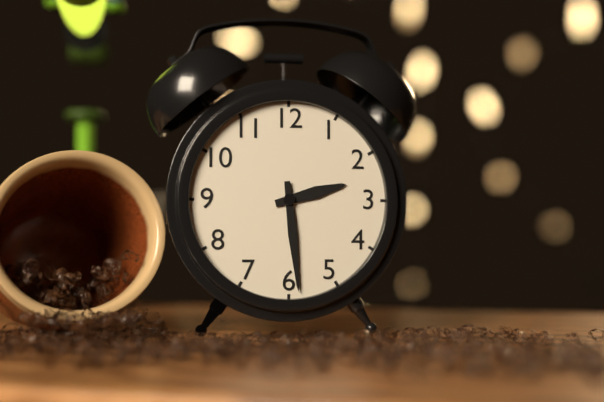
{"hour": 2, "minute": 29}
